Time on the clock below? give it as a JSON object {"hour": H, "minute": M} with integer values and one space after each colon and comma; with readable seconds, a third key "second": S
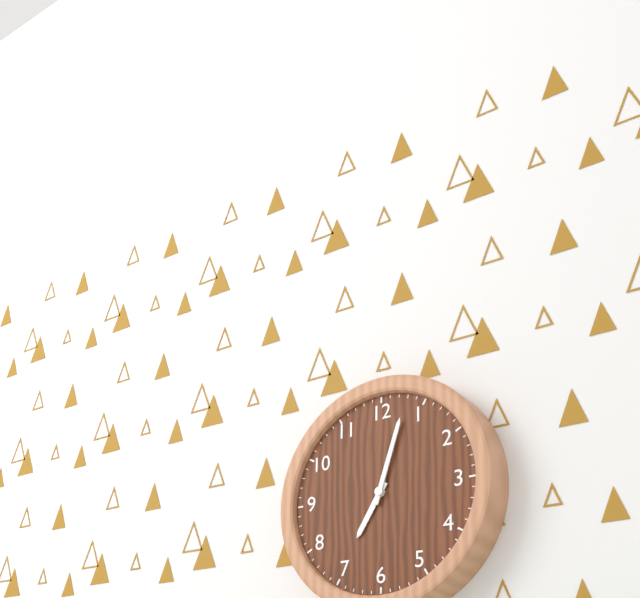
{"hour": 7, "minute": 3}
